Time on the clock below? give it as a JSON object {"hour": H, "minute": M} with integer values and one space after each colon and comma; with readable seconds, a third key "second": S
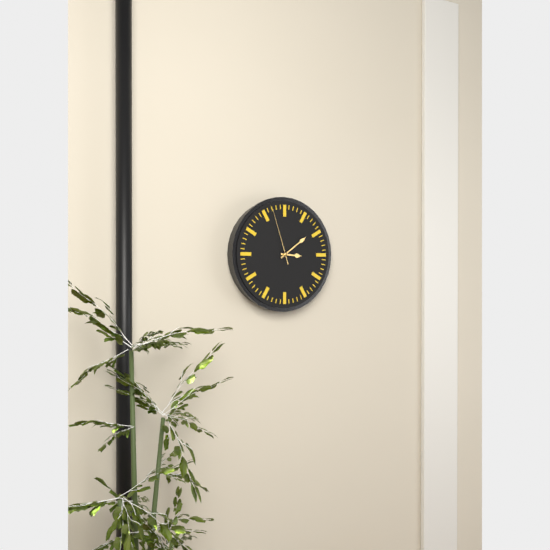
{"hour": 3, "minute": 9, "second": 57}
